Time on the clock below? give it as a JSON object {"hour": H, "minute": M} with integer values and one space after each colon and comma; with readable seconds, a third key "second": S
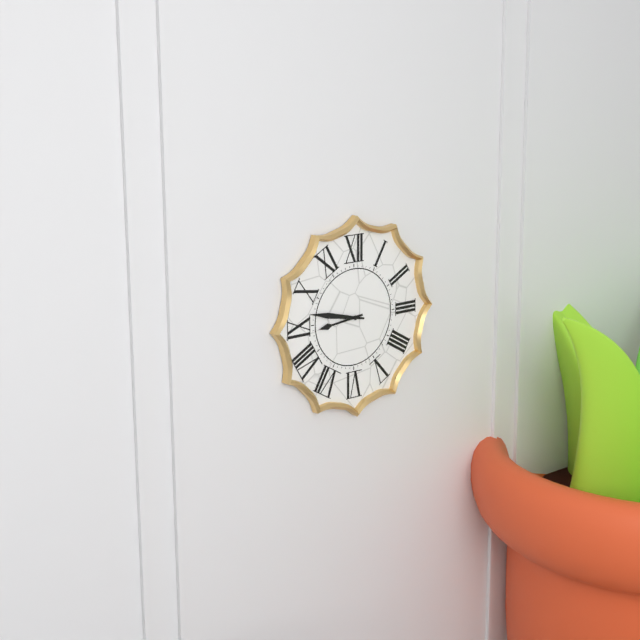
{"hour": 8, "minute": 47}
